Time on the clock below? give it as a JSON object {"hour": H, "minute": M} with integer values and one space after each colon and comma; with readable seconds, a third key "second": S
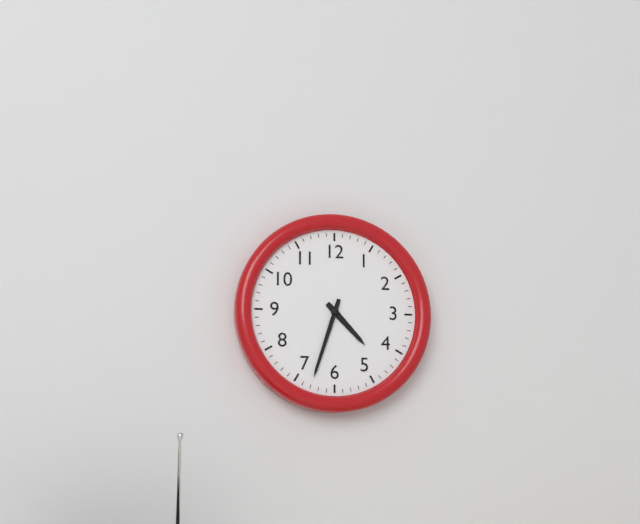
{"hour": 4, "minute": 33}
